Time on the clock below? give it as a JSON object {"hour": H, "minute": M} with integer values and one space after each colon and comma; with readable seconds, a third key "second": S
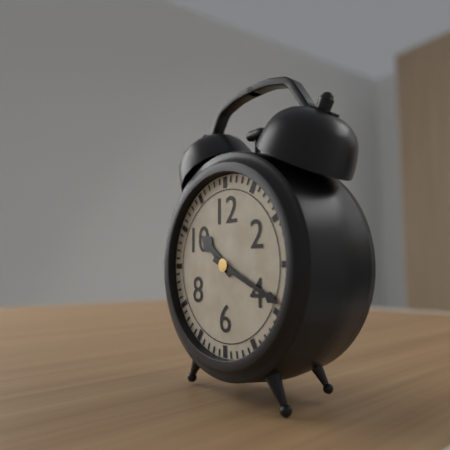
{"hour": 10, "minute": 19}
